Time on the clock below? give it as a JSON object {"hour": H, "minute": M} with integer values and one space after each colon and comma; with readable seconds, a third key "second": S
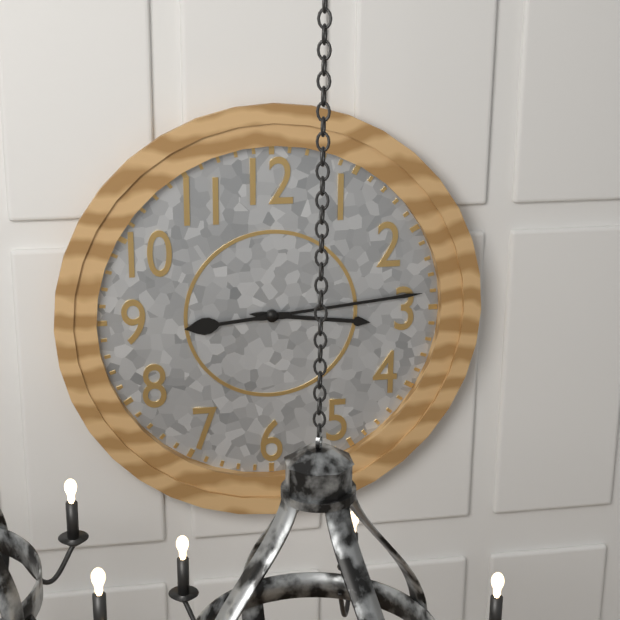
{"hour": 3, "minute": 14}
